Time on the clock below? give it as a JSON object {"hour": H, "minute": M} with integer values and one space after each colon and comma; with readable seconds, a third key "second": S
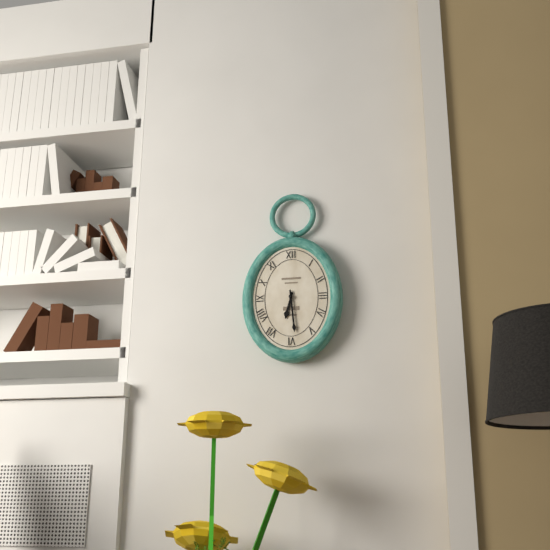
{"hour": 6, "minute": 29}
